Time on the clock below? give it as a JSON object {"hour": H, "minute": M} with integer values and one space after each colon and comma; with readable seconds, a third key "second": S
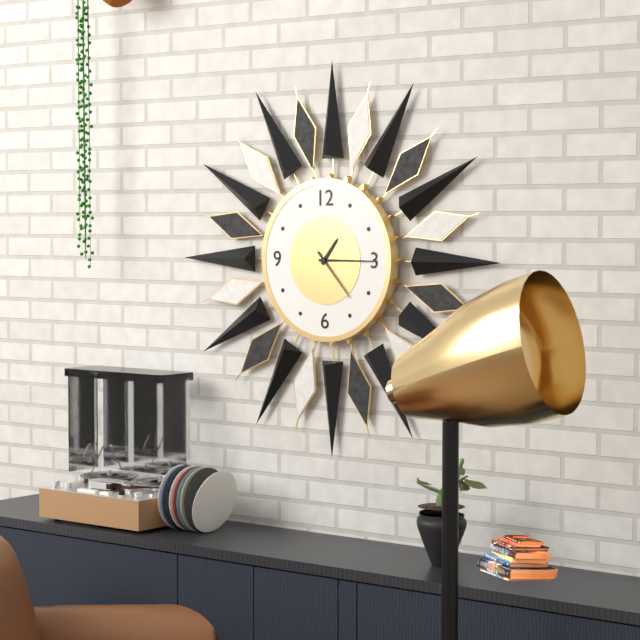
{"hour": 1, "minute": 15, "second": 23}
